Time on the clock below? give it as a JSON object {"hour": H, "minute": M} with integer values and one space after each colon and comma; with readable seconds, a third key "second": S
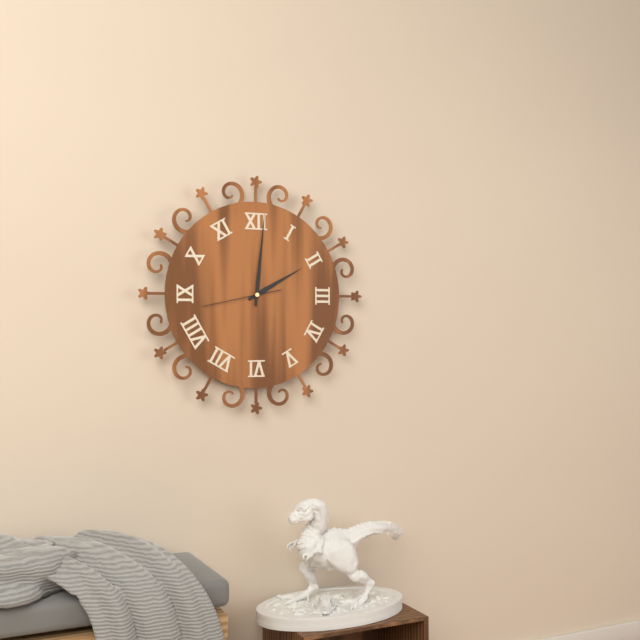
{"hour": 2, "minute": 1, "second": 43}
